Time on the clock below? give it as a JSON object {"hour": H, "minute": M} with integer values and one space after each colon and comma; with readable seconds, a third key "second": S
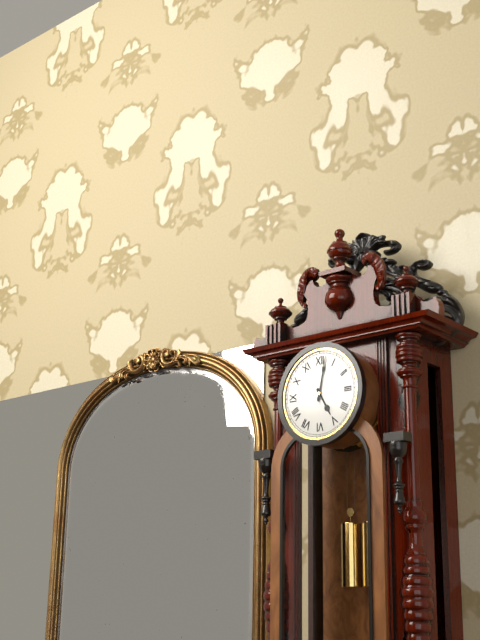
{"hour": 5, "minute": 2}
